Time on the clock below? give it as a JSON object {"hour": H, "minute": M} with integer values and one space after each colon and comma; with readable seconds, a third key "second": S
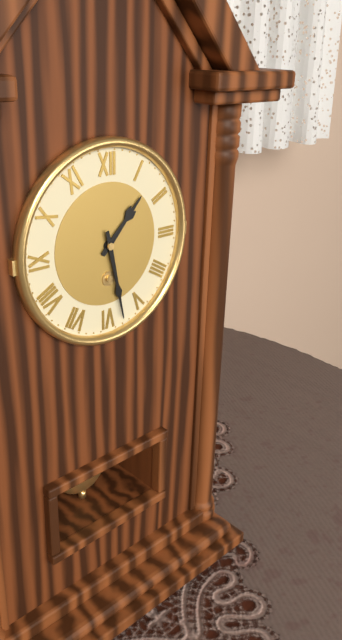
{"hour": 1, "minute": 28}
